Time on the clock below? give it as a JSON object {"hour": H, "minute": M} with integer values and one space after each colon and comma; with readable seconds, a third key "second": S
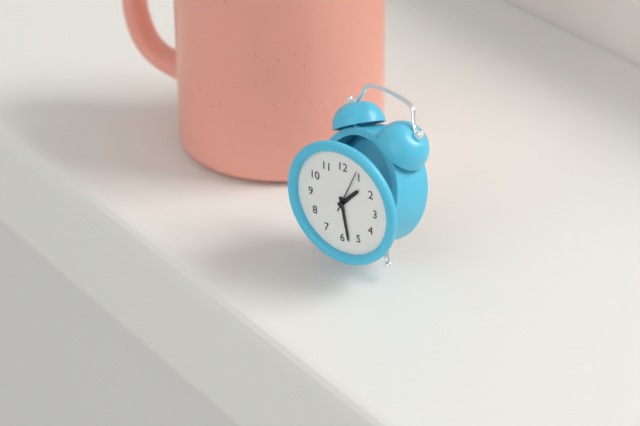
{"hour": 1, "minute": 28}
